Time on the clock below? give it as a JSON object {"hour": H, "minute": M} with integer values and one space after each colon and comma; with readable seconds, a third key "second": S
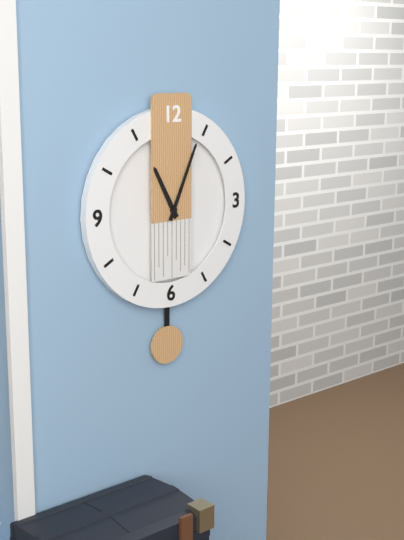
{"hour": 11, "minute": 4}
